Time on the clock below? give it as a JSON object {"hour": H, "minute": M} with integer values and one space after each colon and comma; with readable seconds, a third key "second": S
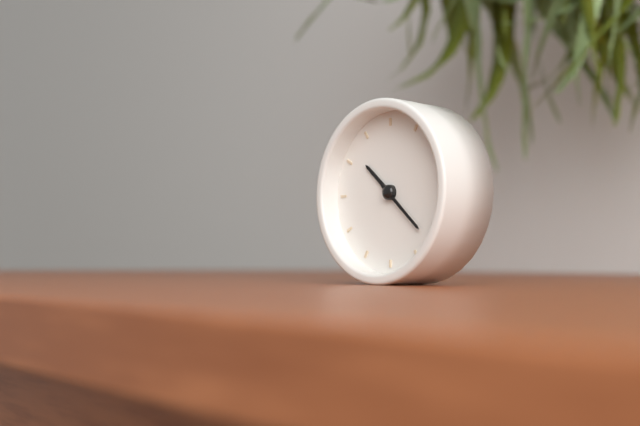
{"hour": 10, "minute": 22}
